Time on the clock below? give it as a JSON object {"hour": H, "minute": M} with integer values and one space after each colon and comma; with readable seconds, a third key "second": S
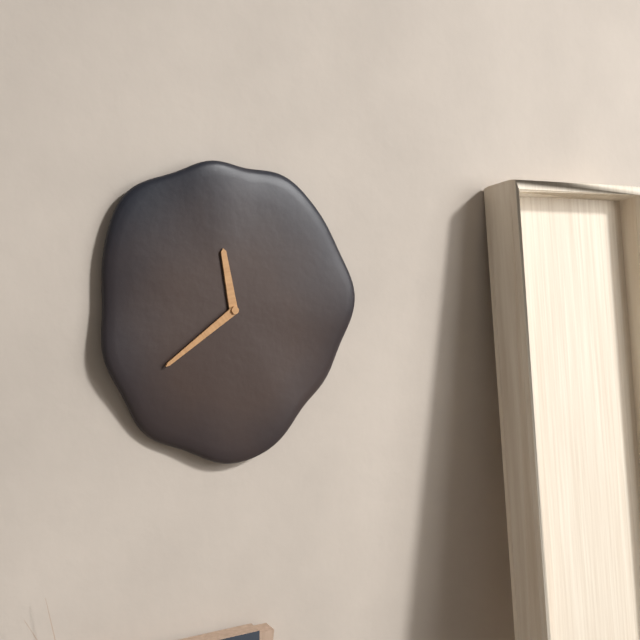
{"hour": 11, "minute": 39}
